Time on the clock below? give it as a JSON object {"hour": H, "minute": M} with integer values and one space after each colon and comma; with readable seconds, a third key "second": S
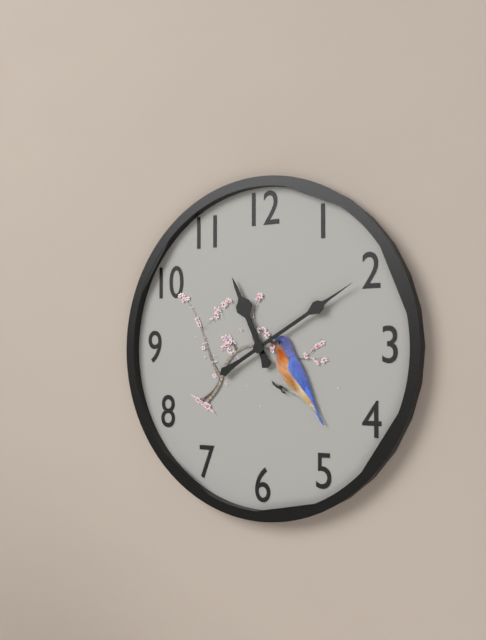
{"hour": 11, "minute": 10}
